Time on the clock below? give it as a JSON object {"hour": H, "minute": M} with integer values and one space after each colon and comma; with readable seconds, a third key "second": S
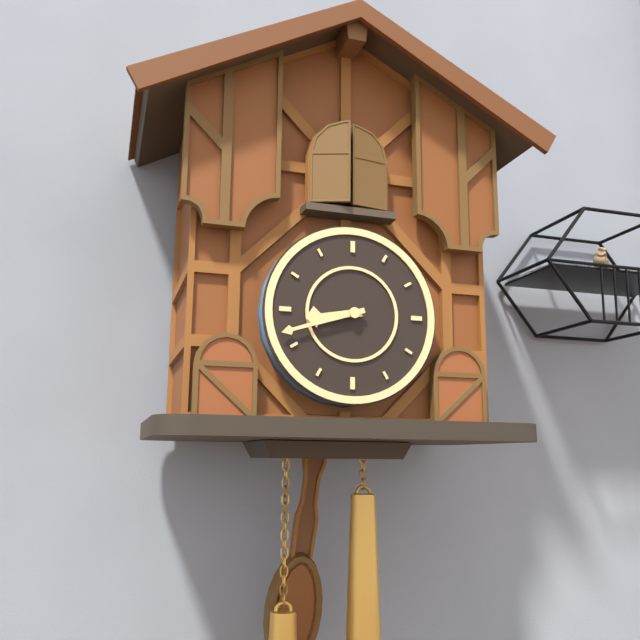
{"hour": 8, "minute": 42}
